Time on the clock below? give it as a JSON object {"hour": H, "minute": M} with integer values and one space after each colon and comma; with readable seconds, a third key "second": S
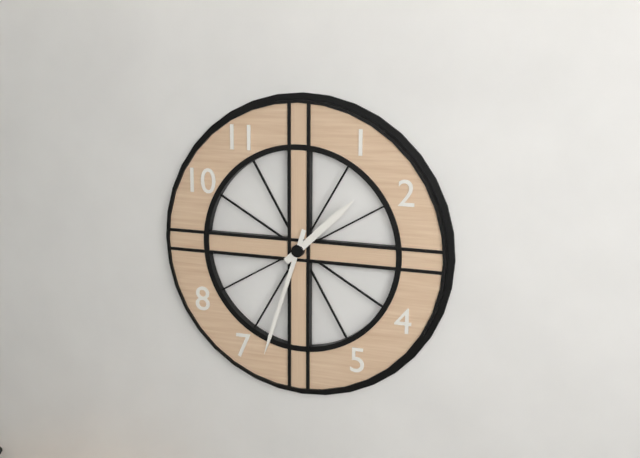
{"hour": 1, "minute": 33}
